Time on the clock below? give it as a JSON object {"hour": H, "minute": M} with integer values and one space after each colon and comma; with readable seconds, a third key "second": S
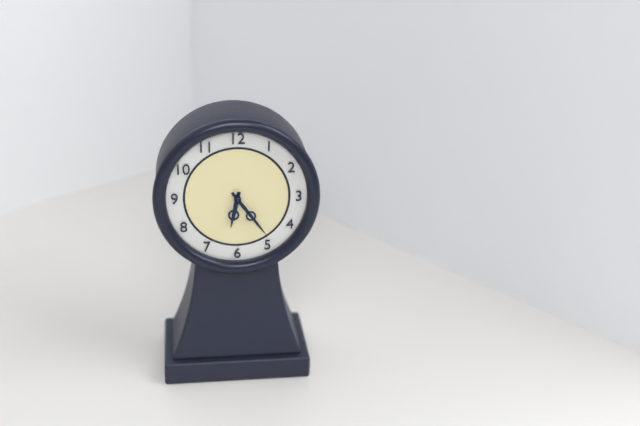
{"hour": 6, "minute": 24}
